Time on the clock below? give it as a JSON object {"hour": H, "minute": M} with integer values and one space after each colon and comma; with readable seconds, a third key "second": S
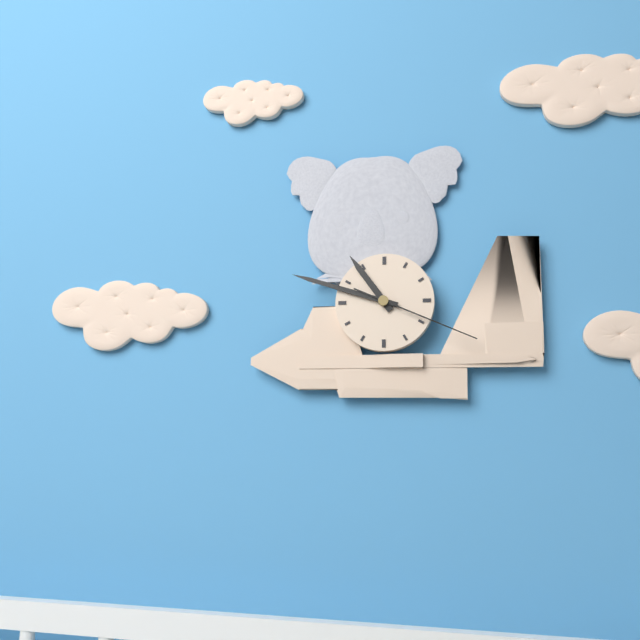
{"hour": 10, "minute": 48, "second": 19}
